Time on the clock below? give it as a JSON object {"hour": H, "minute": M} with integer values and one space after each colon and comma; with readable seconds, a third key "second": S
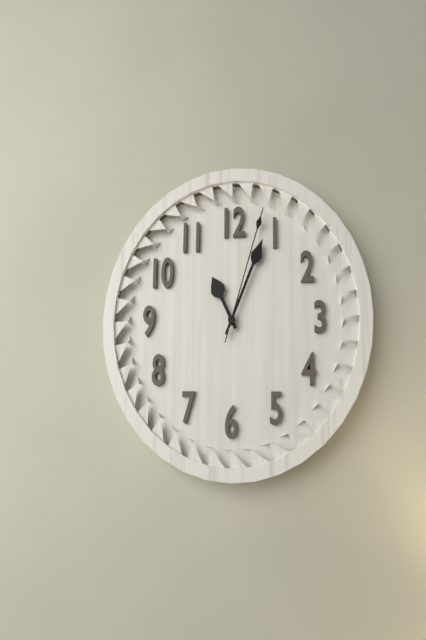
{"hour": 11, "minute": 4, "second": 3}
